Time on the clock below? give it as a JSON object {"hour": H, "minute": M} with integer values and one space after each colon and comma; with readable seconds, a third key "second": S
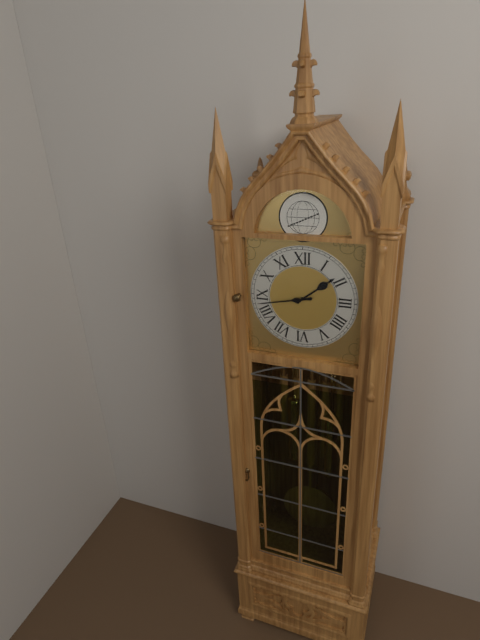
{"hour": 1, "minute": 43}
